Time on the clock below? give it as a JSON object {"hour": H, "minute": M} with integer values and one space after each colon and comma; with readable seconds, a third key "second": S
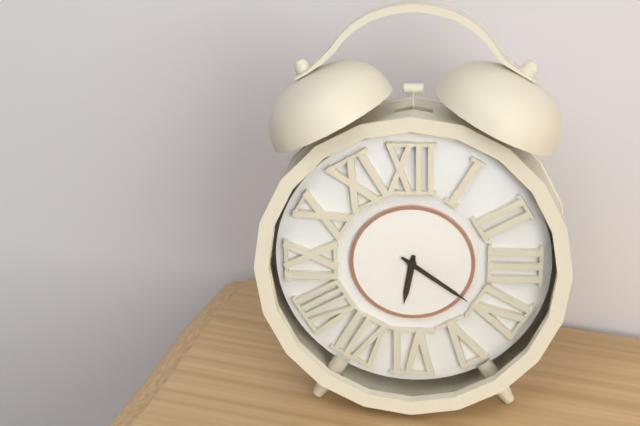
{"hour": 6, "minute": 21}
